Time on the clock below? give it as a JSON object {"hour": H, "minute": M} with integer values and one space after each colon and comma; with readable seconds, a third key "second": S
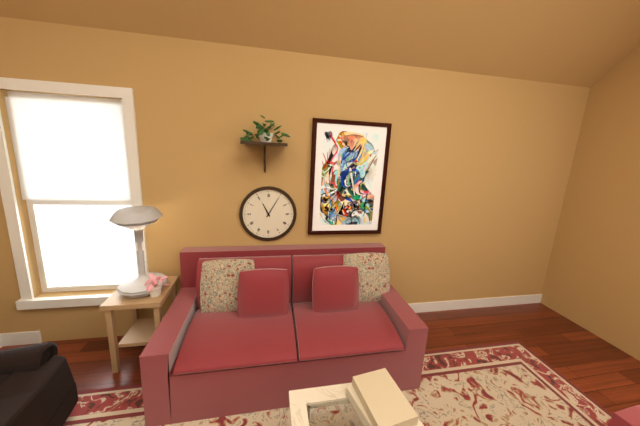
{"hour": 11, "minute": 5}
